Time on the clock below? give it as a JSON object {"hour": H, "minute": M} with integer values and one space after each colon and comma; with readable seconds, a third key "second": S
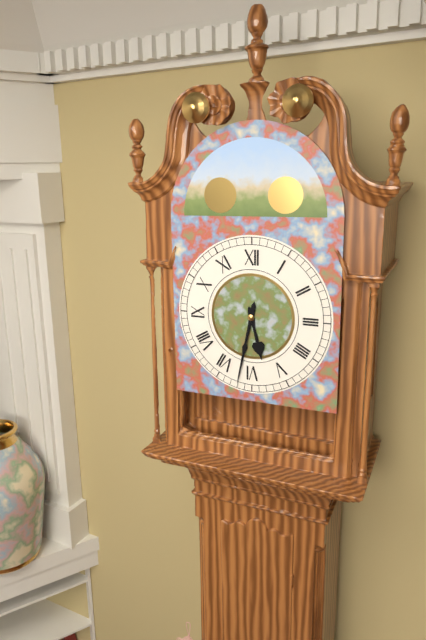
{"hour": 5, "minute": 32}
